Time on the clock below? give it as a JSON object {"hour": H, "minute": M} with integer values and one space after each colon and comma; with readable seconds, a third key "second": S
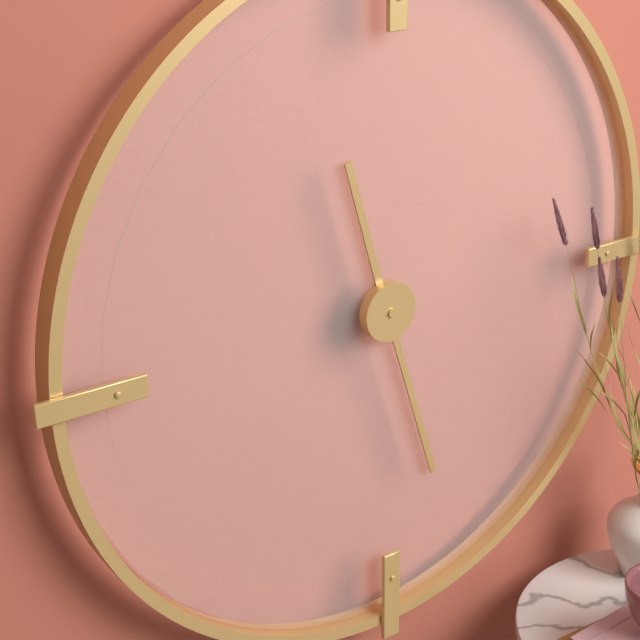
{"hour": 11, "minute": 27}
